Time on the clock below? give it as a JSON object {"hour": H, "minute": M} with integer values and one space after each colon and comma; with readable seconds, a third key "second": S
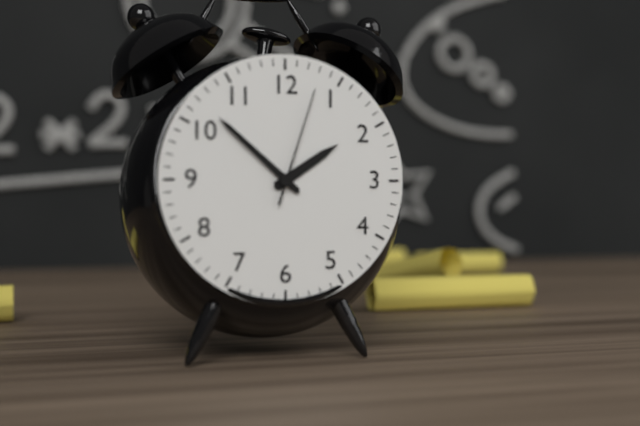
{"hour": 1, "minute": 52, "second": 3}
